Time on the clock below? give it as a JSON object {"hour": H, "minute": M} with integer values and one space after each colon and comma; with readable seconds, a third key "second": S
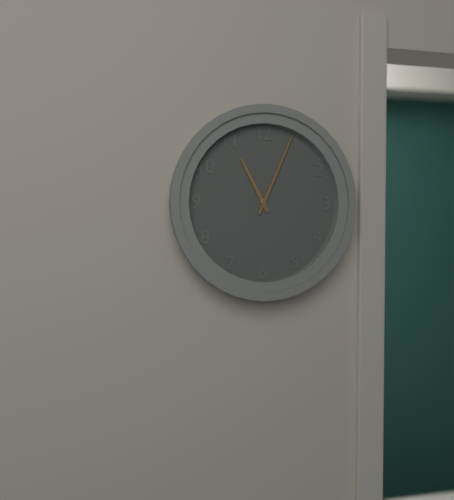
{"hour": 11, "minute": 4}
